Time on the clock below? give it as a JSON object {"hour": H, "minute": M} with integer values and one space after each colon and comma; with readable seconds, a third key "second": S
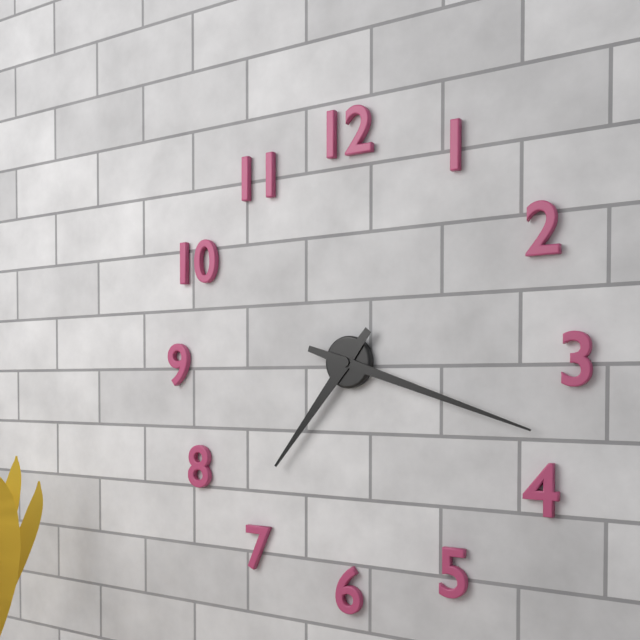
{"hour": 7, "minute": 18}
